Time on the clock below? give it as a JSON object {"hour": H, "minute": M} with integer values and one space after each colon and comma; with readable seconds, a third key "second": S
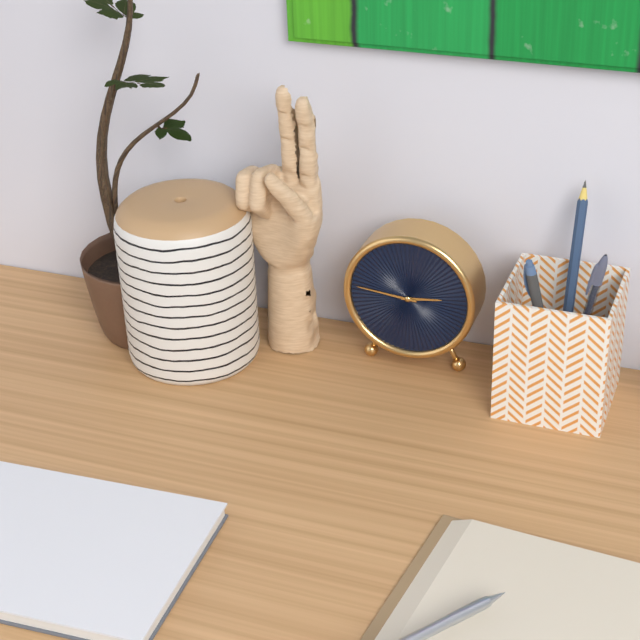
{"hour": 2, "minute": 46}
